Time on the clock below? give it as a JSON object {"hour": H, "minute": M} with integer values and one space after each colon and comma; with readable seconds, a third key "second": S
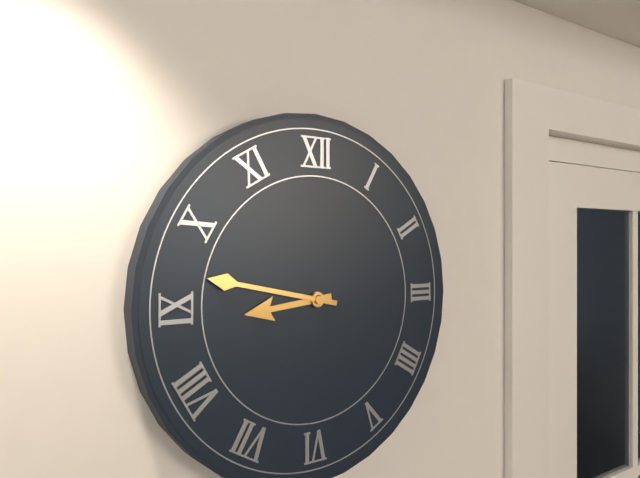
{"hour": 8, "minute": 47}
